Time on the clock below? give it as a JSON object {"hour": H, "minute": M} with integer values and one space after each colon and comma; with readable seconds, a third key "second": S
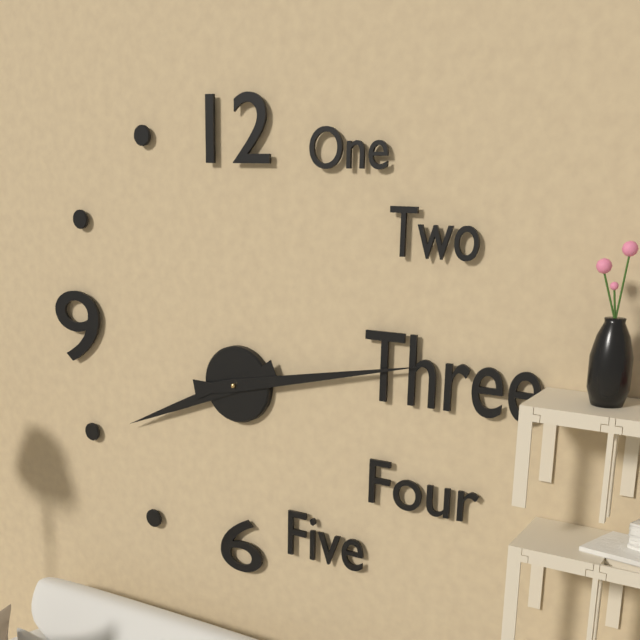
{"hour": 8, "minute": 13}
